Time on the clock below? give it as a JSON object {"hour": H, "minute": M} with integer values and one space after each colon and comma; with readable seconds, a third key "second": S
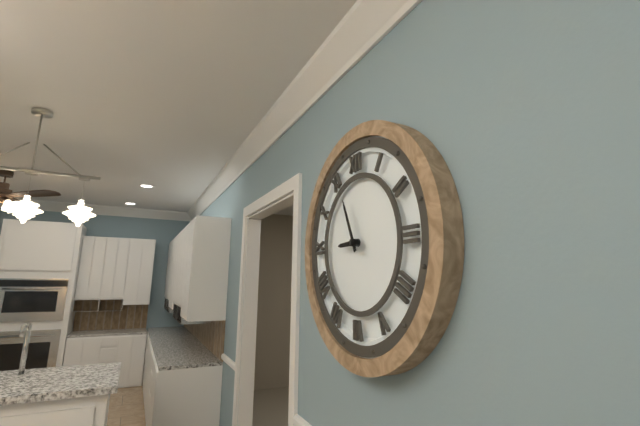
{"hour": 8, "minute": 56}
